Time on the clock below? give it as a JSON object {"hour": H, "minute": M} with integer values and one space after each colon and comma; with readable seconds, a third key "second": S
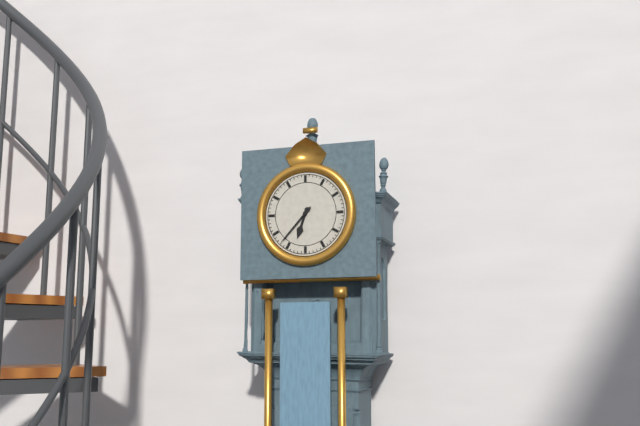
{"hour": 6, "minute": 37}
